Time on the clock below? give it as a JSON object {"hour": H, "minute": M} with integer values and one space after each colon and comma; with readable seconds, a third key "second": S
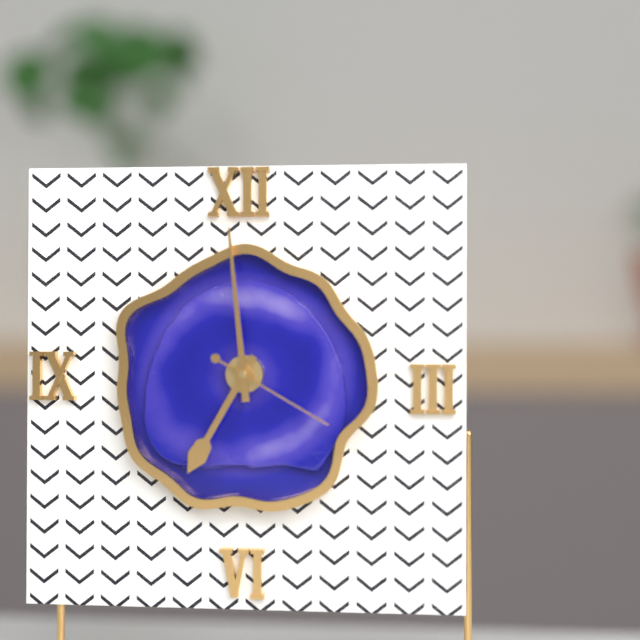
{"hour": 6, "minute": 59, "second": 20}
